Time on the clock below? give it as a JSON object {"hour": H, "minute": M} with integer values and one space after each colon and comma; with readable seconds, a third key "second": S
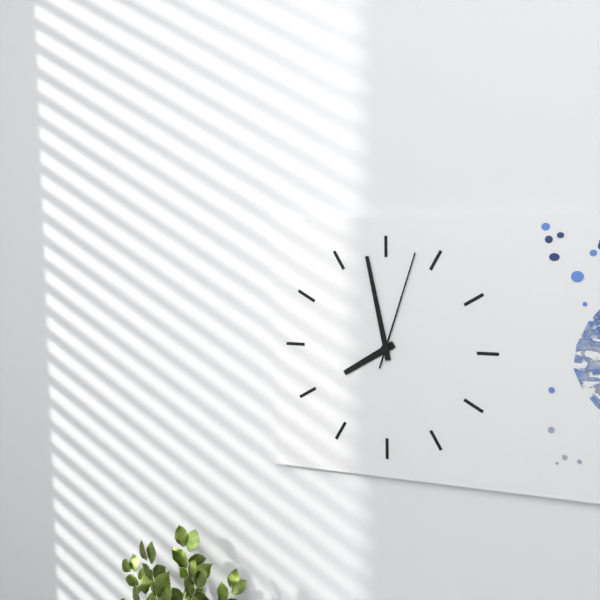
{"hour": 7, "minute": 58, "second": 3}
